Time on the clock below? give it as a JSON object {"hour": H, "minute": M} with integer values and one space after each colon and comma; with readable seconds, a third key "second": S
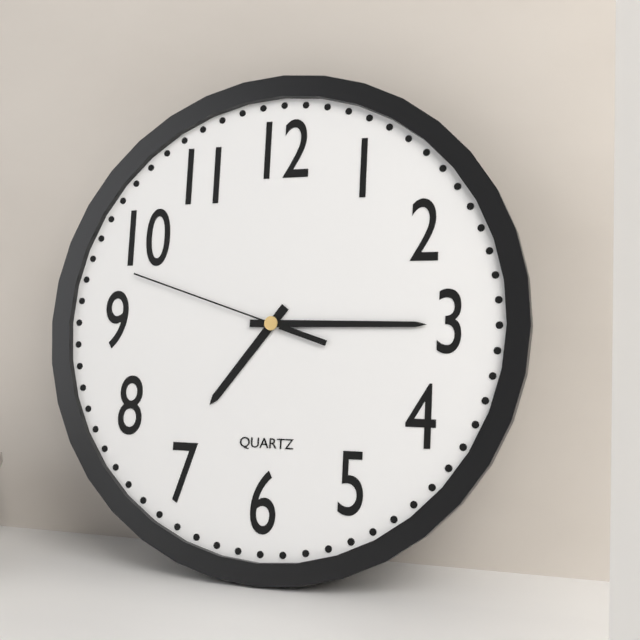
{"hour": 7, "minute": 15, "second": 48}
